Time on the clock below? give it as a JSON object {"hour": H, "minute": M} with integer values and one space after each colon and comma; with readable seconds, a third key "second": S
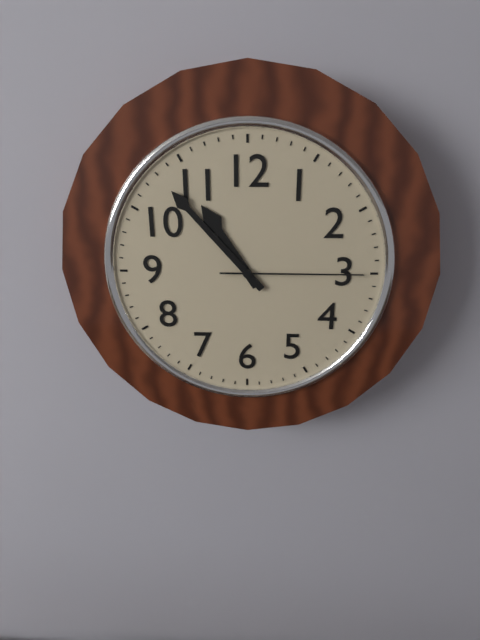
{"hour": 10, "minute": 53, "second": 15}
